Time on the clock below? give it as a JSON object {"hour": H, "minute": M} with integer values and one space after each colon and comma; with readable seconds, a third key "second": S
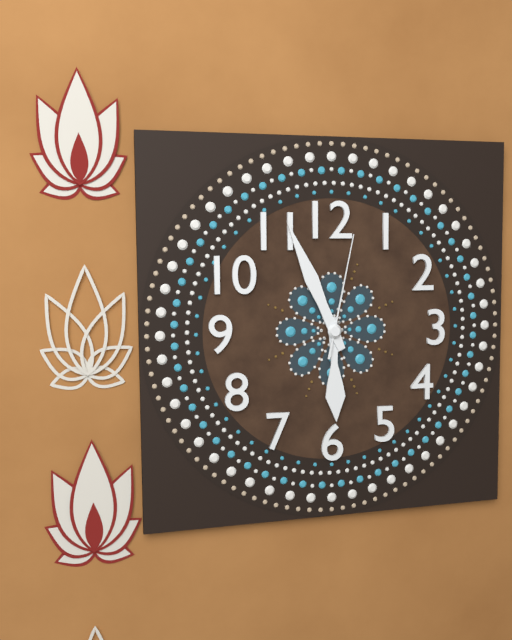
{"hour": 5, "minute": 56, "second": 2}
